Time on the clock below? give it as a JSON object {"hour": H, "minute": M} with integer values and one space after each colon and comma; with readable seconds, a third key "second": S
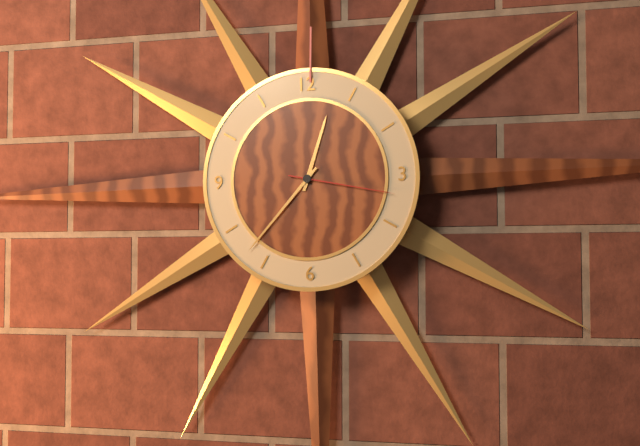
{"hour": 12, "minute": 37, "second": 17}
